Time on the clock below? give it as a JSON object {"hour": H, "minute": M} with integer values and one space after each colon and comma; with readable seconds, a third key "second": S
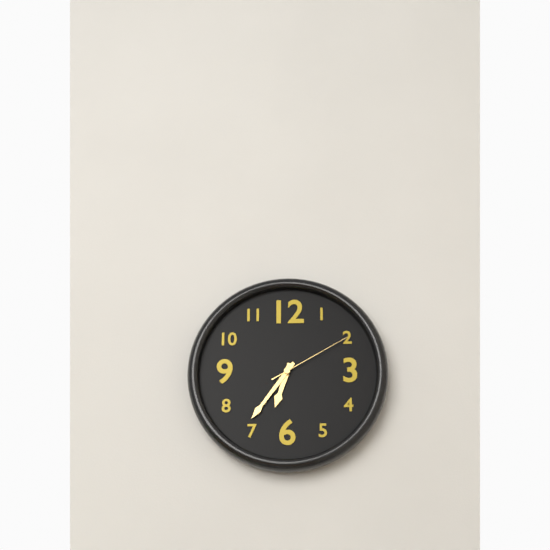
{"hour": 6, "minute": 36, "second": 10}
